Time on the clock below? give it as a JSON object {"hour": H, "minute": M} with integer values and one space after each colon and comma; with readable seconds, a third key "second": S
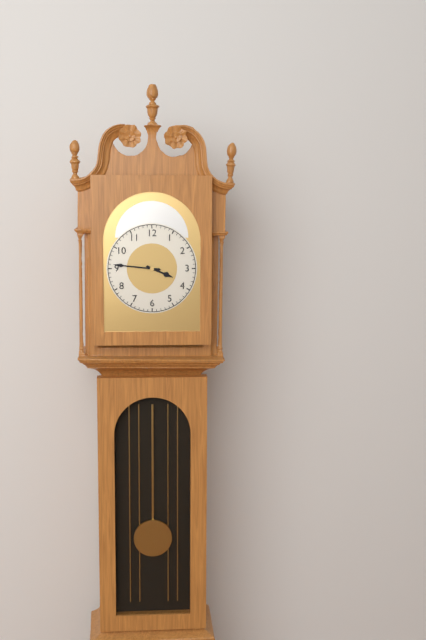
{"hour": 3, "minute": 46}
